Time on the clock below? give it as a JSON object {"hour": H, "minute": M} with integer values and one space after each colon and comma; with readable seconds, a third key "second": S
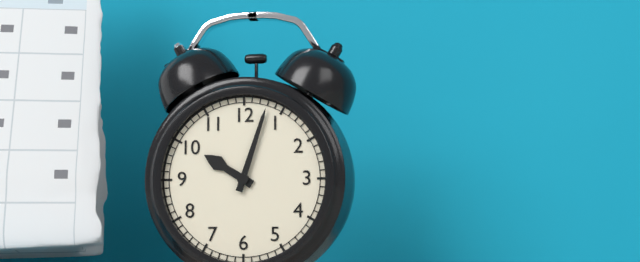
{"hour": 10, "minute": 3}
